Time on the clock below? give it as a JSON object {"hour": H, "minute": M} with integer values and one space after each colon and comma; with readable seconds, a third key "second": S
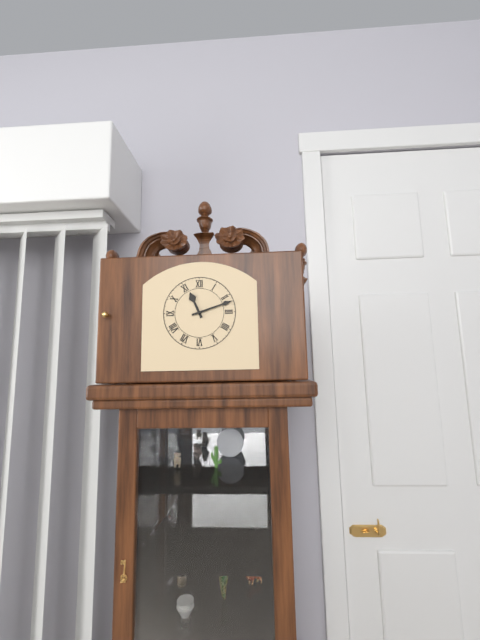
{"hour": 11, "minute": 12}
